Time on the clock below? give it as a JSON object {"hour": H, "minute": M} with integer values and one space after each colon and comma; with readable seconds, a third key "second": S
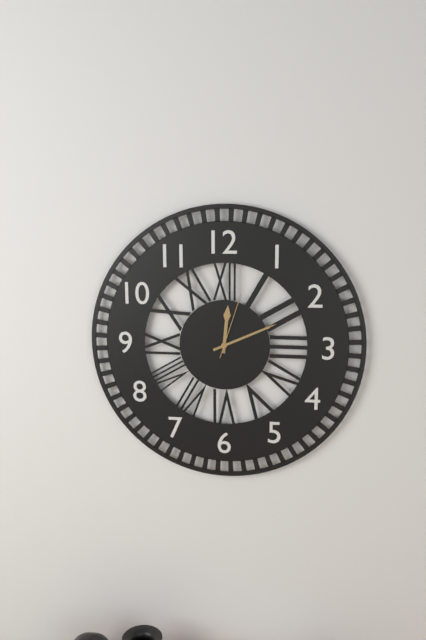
{"hour": 12, "minute": 11, "second": 3}
